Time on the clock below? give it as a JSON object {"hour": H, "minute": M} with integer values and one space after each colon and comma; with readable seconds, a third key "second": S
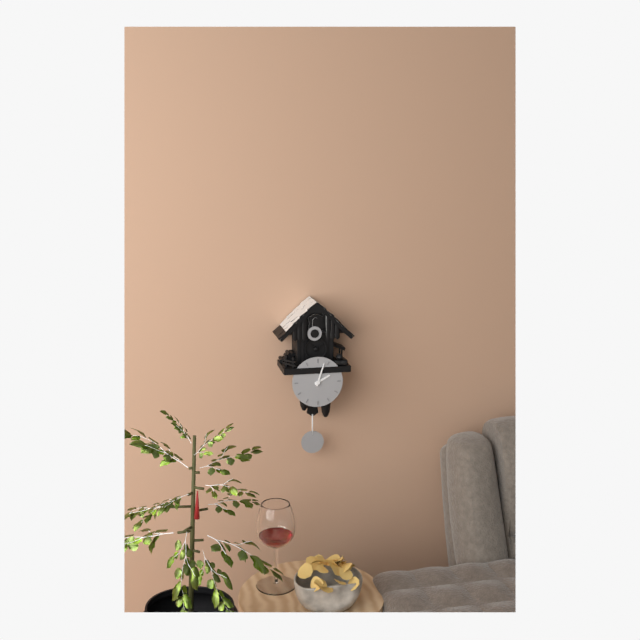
{"hour": 2, "minute": 3}
